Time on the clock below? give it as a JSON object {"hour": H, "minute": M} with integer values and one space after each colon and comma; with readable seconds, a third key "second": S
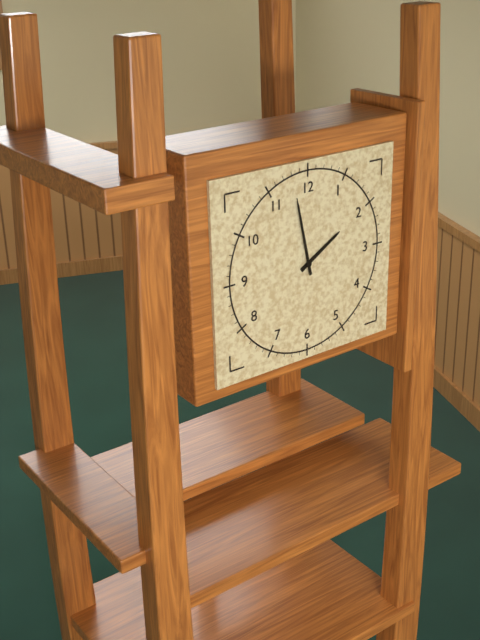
{"hour": 1, "minute": 58}
